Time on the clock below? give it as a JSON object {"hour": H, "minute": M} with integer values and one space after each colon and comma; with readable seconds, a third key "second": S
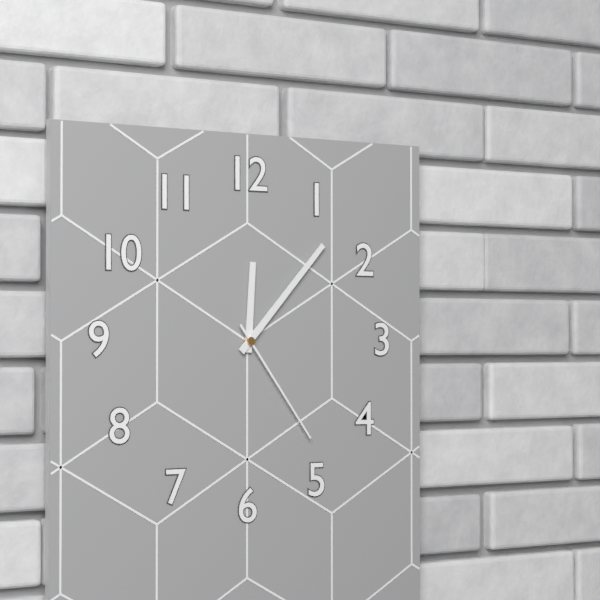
{"hour": 12, "minute": 7, "second": 24}
